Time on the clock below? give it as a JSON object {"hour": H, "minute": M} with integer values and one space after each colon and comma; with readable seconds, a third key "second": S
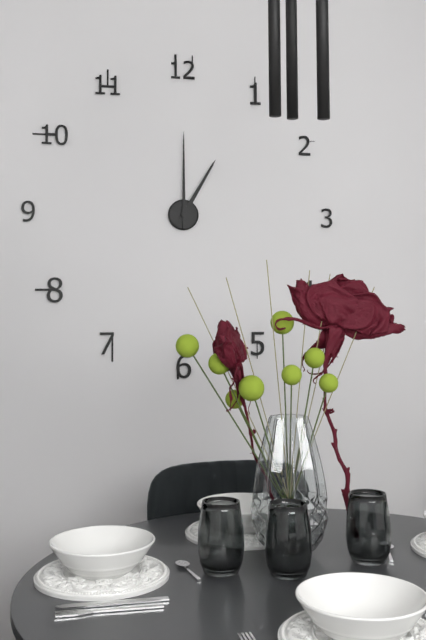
{"hour": 1, "minute": 0}
